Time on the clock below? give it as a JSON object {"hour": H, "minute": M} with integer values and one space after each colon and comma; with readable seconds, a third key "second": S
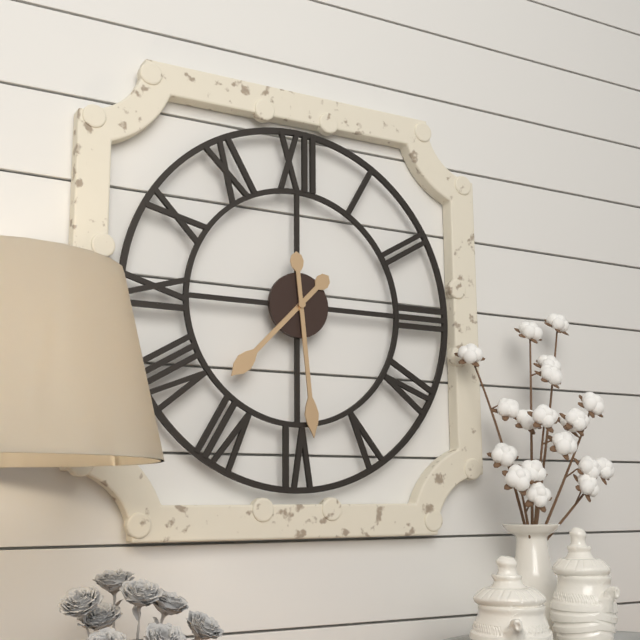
{"hour": 7, "minute": 29}
